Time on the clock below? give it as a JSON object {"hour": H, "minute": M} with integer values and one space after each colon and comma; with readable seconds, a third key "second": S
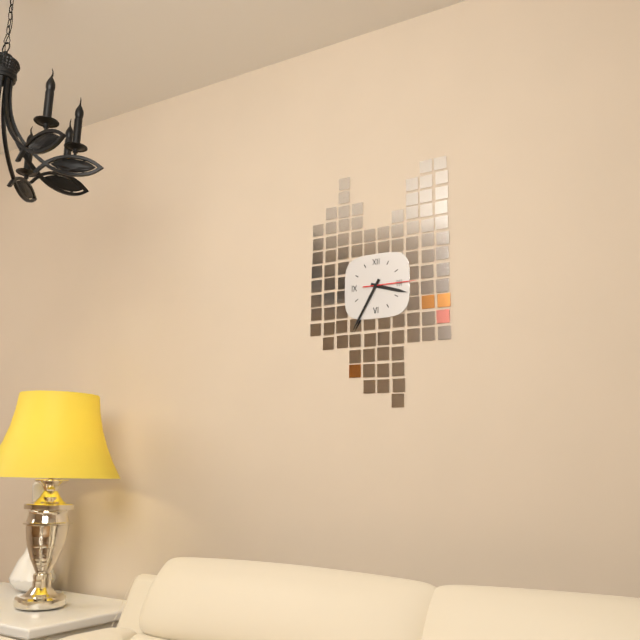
{"hour": 3, "minute": 35, "second": 15}
